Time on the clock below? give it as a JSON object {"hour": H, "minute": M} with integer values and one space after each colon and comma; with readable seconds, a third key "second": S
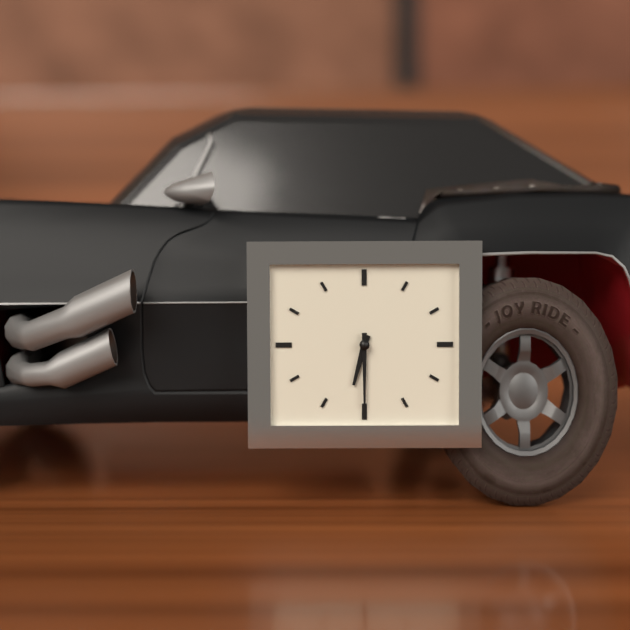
{"hour": 6, "minute": 30}
